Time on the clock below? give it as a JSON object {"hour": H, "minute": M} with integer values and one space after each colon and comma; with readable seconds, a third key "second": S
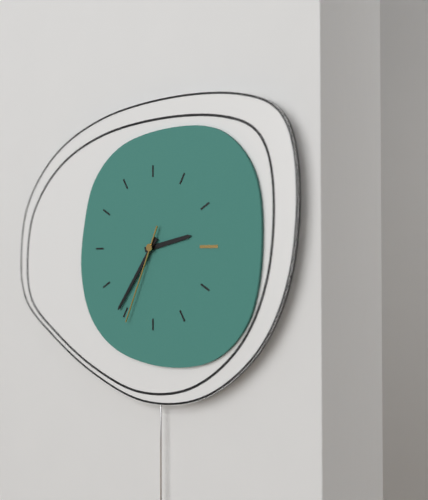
{"hour": 2, "minute": 36, "second": 34}
